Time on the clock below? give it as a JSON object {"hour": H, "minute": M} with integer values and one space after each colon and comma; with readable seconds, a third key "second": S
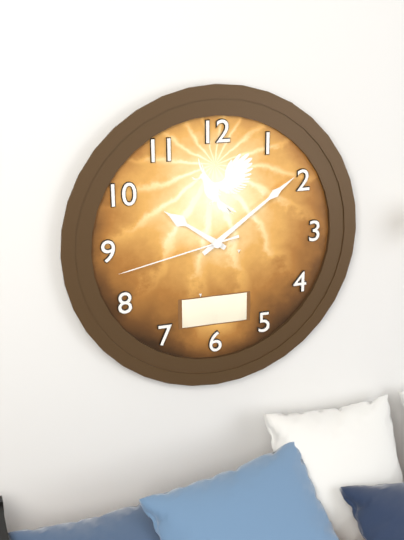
{"hour": 10, "minute": 9, "second": 43}
